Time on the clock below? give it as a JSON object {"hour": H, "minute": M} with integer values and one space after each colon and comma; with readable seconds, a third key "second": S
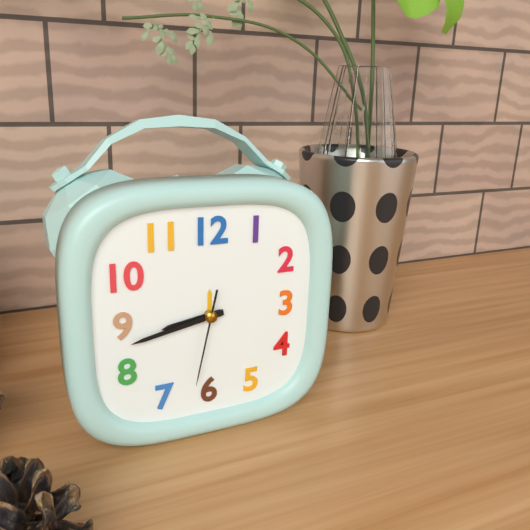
{"hour": 8, "minute": 43, "second": 32}
